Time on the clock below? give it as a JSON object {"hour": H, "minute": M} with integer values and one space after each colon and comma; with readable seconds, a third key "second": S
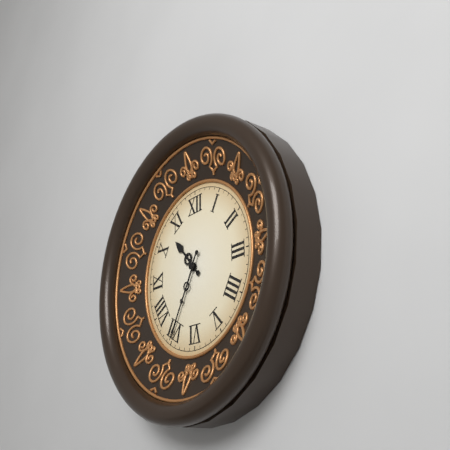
{"hour": 10, "minute": 35}
